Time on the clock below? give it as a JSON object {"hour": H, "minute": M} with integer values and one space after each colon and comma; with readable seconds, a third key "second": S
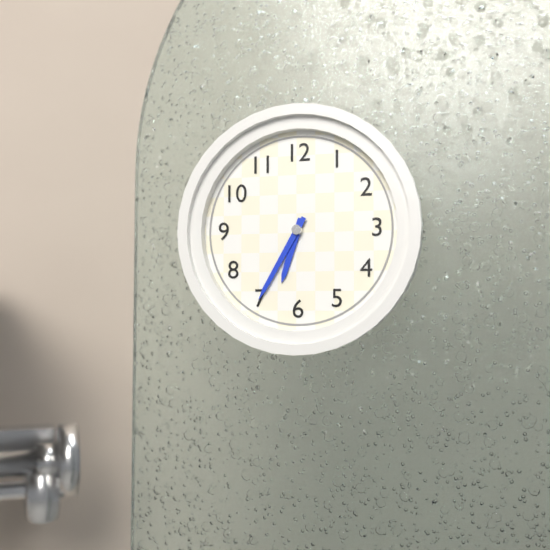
{"hour": 6, "minute": 35}
